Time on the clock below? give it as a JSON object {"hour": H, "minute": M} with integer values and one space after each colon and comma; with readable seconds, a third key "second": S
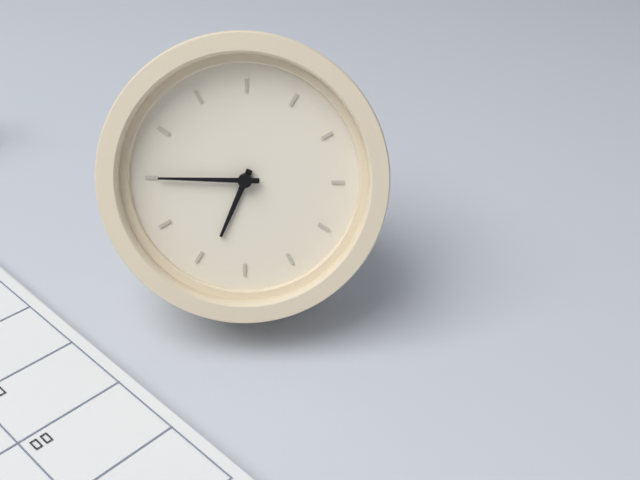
{"hour": 6, "minute": 45}
